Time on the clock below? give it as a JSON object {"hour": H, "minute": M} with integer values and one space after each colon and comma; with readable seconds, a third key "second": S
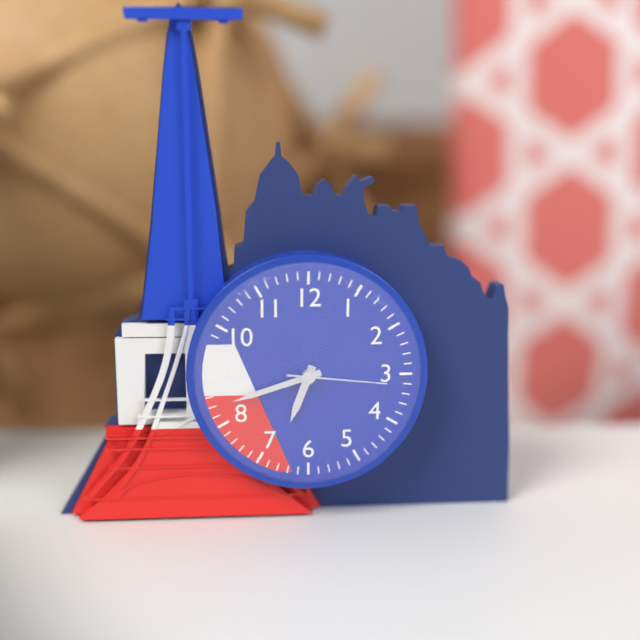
{"hour": 6, "minute": 42, "second": 16}
